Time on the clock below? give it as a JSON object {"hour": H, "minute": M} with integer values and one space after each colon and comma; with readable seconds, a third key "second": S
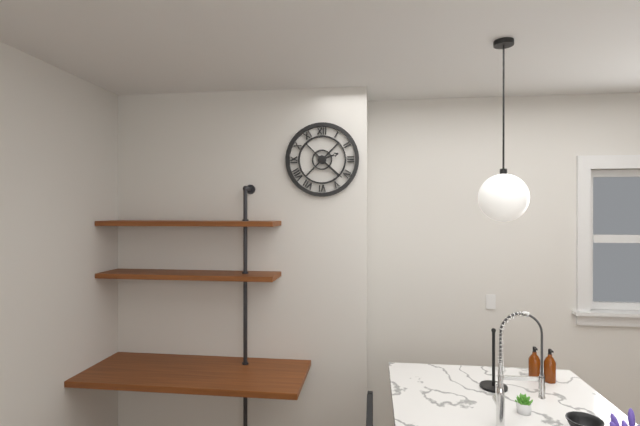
{"hour": 2, "minute": 22}
